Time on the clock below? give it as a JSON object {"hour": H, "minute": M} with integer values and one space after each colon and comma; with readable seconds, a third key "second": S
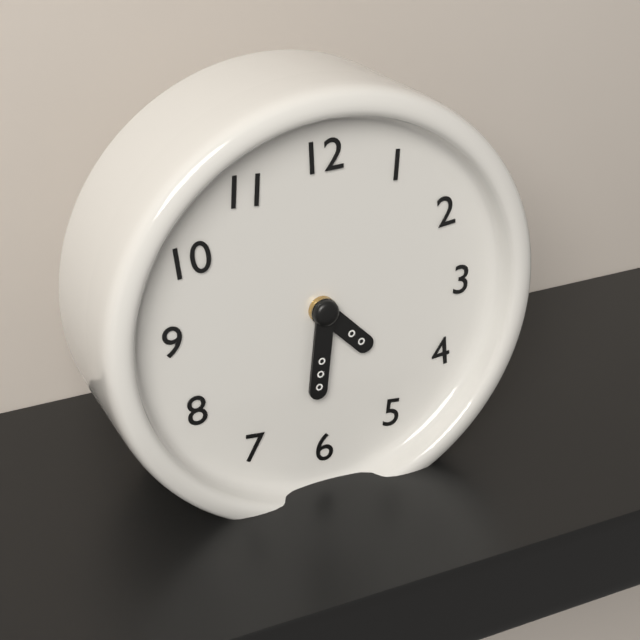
{"hour": 4, "minute": 31}
